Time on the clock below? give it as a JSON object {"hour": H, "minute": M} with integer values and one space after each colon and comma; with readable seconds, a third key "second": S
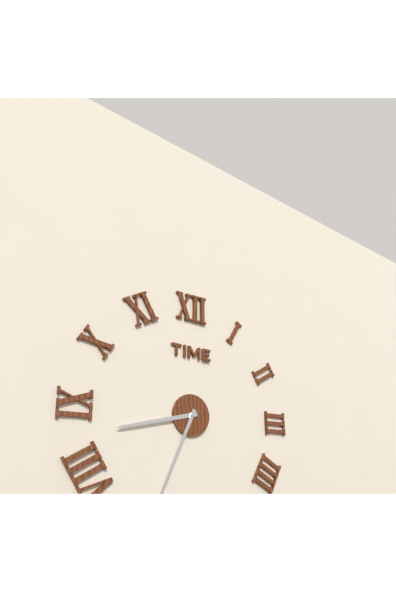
{"hour": 8, "minute": 34}
